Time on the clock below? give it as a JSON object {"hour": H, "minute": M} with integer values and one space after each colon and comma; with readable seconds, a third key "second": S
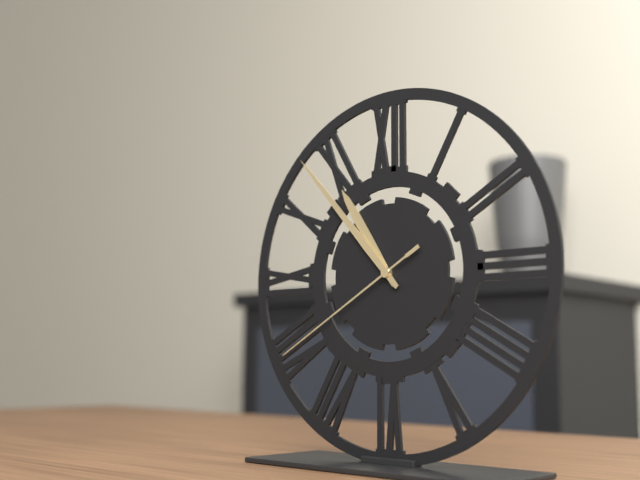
{"hour": 10, "minute": 53, "second": 40}
